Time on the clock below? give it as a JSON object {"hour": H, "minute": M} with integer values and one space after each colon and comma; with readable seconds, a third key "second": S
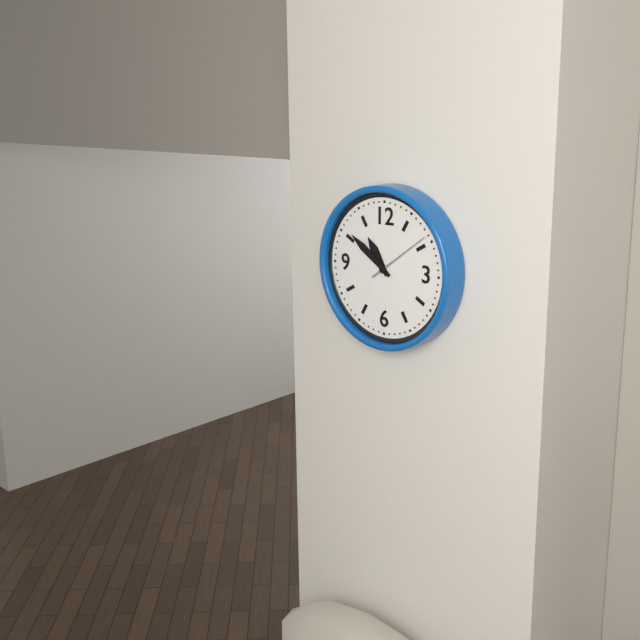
{"hour": 10, "minute": 51, "second": 9}
